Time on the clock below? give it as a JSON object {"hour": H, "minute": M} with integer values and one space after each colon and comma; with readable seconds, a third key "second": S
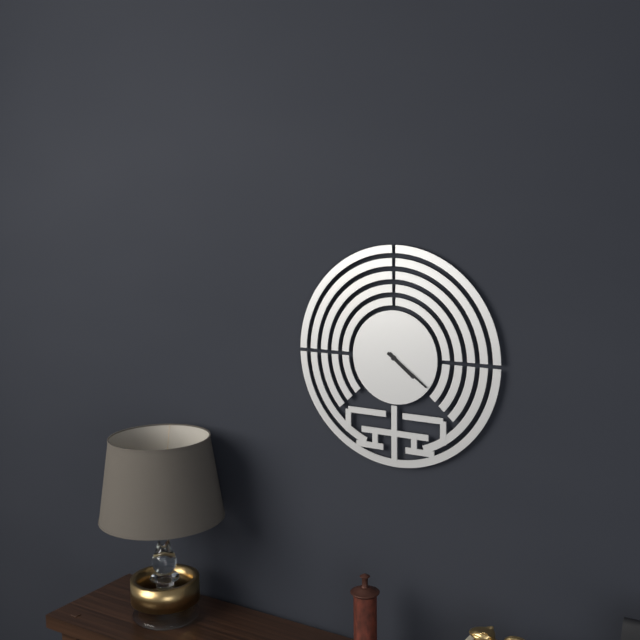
{"hour": 4, "minute": 21}
